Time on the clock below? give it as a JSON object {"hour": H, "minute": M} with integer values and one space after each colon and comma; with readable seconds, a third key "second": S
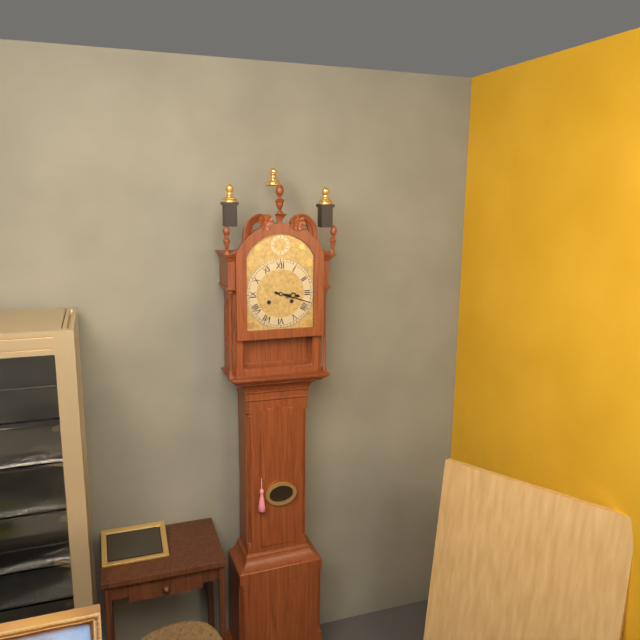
{"hour": 3, "minute": 18}
